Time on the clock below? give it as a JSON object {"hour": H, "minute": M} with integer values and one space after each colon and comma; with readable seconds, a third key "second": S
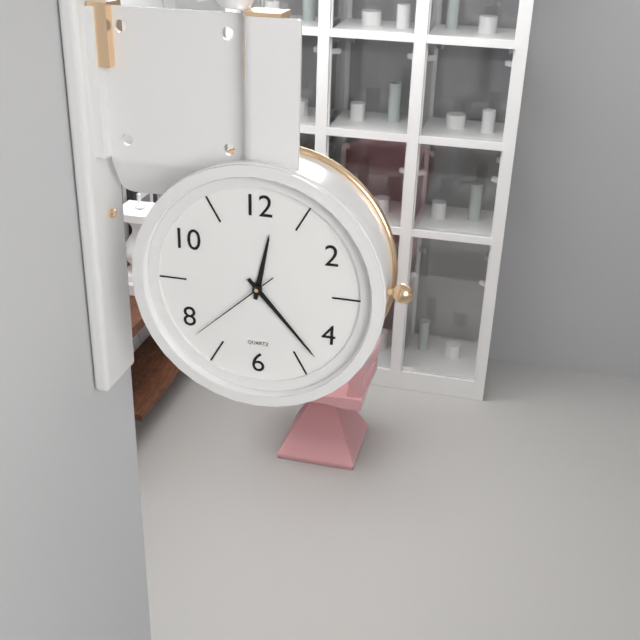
{"hour": 12, "minute": 23, "second": 38}
